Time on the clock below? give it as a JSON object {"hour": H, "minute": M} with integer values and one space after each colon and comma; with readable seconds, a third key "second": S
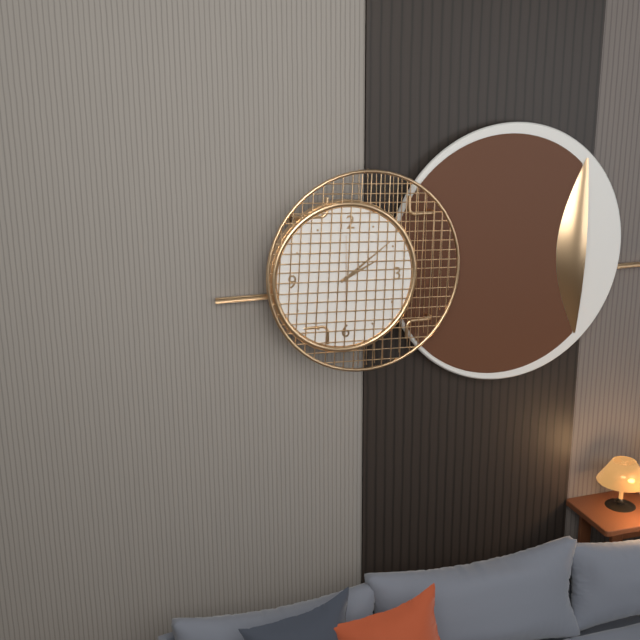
{"hour": 2, "minute": 9, "second": 30}
